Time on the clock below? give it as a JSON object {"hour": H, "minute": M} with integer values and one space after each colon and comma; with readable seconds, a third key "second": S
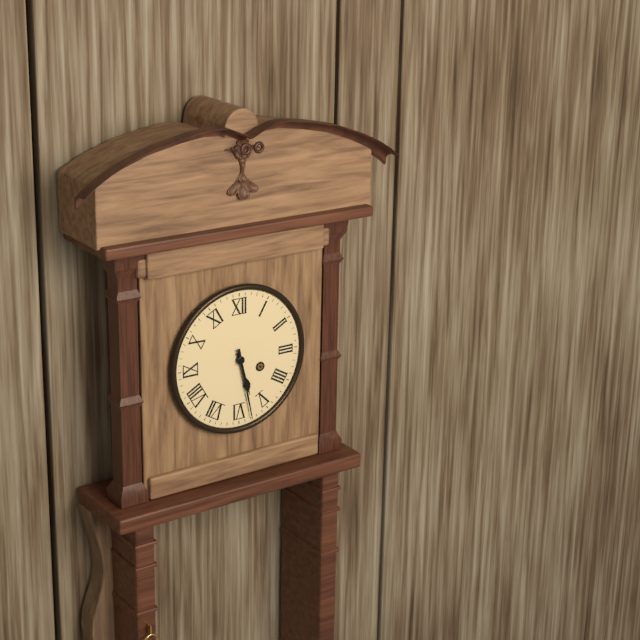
{"hour": 5, "minute": 28}
